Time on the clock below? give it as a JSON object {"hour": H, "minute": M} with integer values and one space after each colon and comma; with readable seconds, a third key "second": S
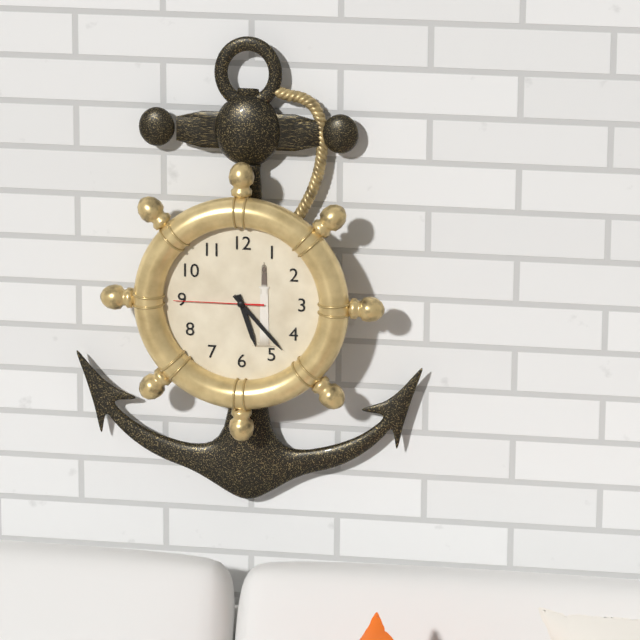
{"hour": 5, "minute": 23, "second": 45}
